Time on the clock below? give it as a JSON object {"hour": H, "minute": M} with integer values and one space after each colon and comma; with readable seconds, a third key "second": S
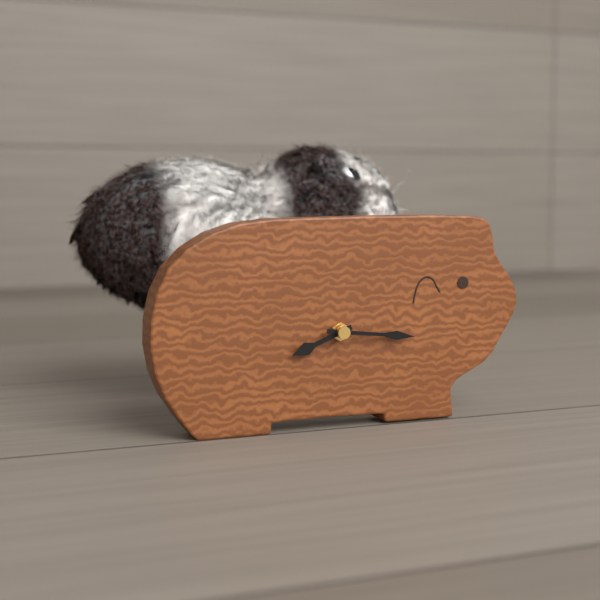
{"hour": 8, "minute": 16}
